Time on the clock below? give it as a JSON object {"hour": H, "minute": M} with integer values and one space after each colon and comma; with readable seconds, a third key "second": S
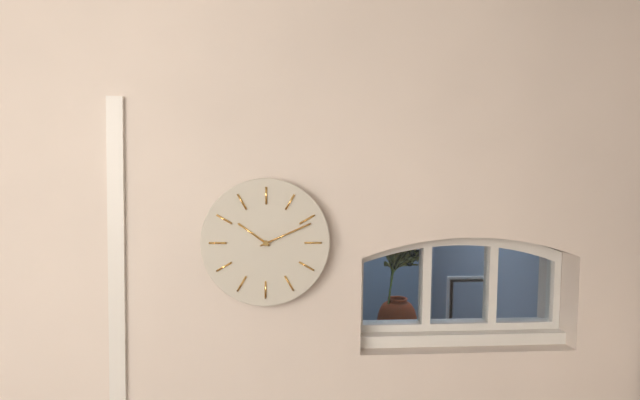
{"hour": 10, "minute": 11}
